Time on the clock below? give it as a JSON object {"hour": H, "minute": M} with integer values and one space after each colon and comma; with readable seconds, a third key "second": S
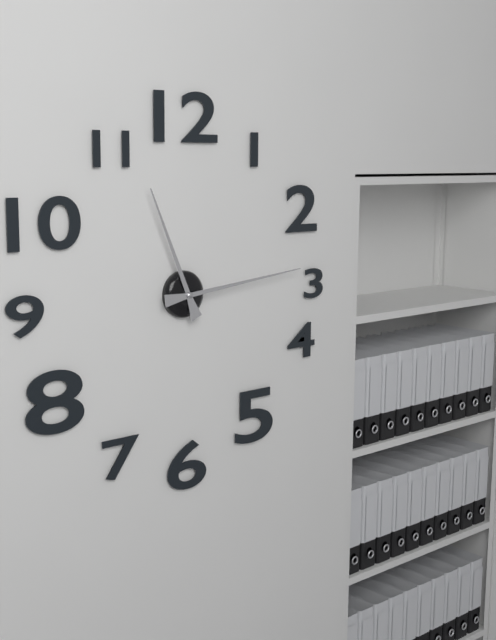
{"hour": 11, "minute": 14}
